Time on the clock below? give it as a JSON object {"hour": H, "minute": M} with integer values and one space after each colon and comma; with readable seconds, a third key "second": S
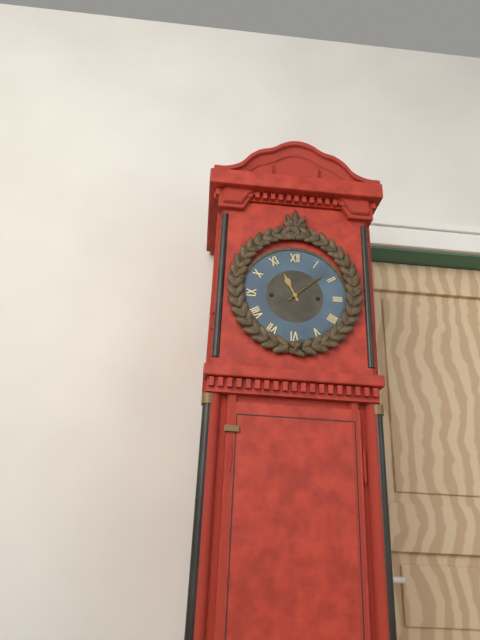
{"hour": 11, "minute": 8}
